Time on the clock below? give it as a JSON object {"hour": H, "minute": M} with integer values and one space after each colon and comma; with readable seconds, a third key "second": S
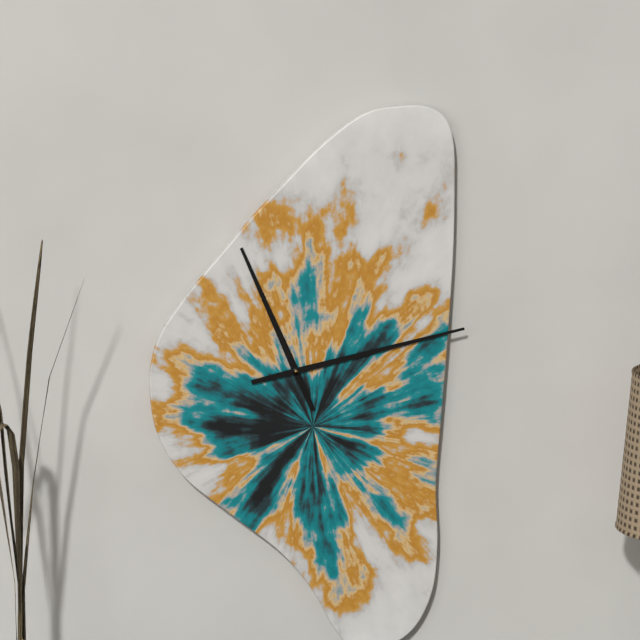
{"hour": 11, "minute": 13}
